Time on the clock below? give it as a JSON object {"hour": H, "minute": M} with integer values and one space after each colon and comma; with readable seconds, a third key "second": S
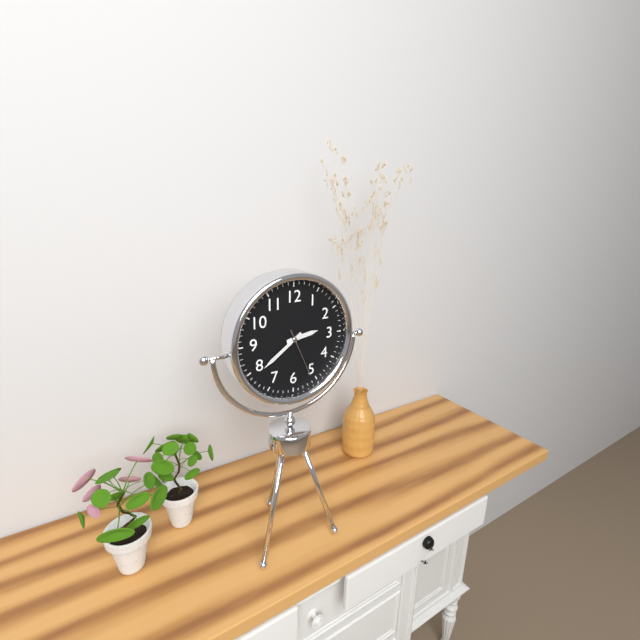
{"hour": 2, "minute": 39, "second": 26}
